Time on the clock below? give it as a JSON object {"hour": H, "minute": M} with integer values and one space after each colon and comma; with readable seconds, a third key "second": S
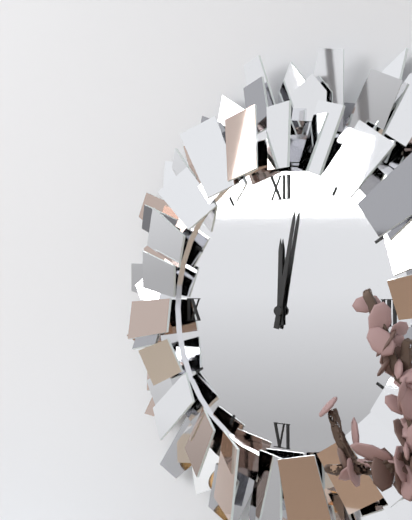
{"hour": 12, "minute": 2}
